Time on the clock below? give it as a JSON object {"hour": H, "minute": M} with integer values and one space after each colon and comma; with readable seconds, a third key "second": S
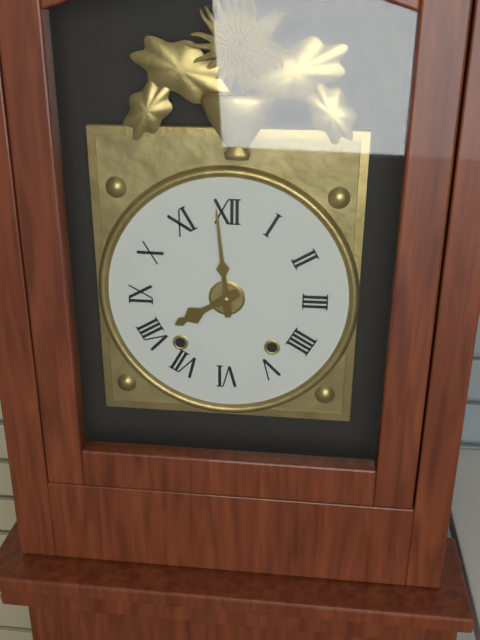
{"hour": 7, "minute": 59}
